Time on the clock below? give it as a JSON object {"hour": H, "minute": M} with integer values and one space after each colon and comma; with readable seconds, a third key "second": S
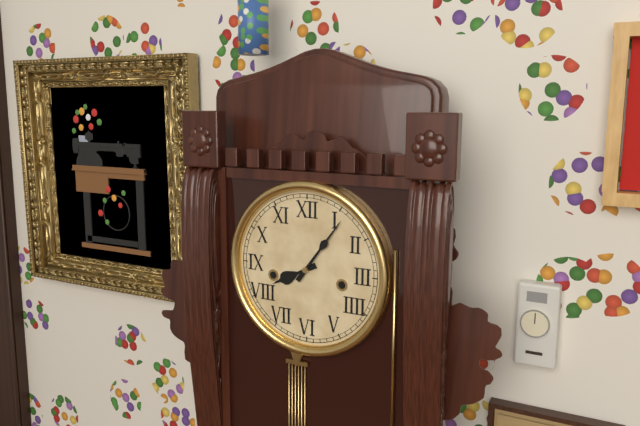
{"hour": 8, "minute": 6}
